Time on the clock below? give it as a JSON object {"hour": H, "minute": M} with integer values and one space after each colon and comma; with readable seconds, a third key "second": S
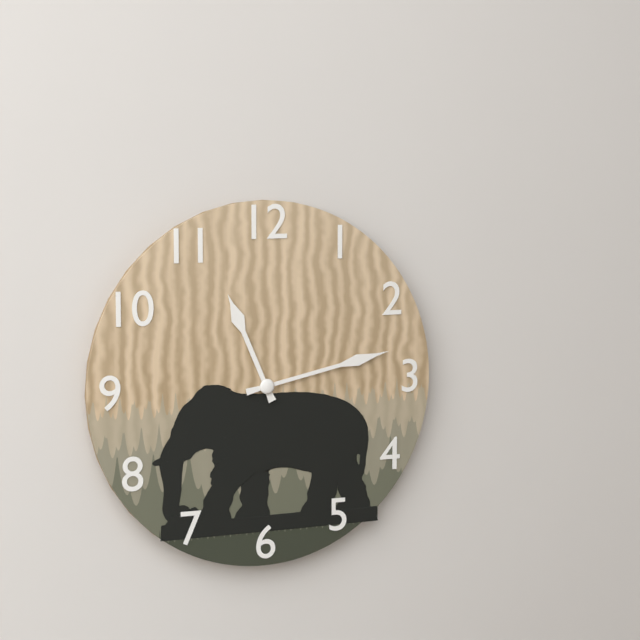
{"hour": 11, "minute": 13}
